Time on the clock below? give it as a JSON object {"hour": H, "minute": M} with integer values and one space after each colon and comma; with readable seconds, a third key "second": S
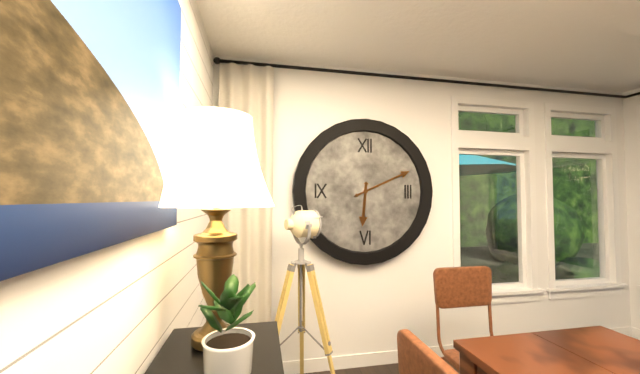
{"hour": 6, "minute": 11}
